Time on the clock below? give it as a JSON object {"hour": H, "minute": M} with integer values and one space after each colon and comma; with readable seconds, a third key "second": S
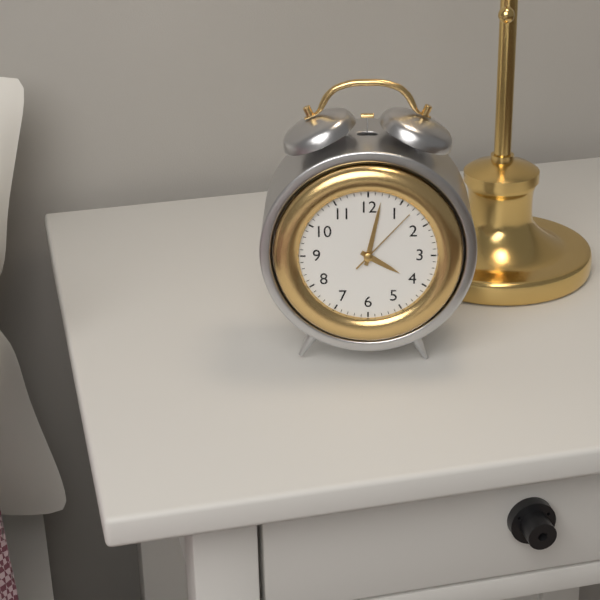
{"hour": 4, "minute": 2, "second": 7}
